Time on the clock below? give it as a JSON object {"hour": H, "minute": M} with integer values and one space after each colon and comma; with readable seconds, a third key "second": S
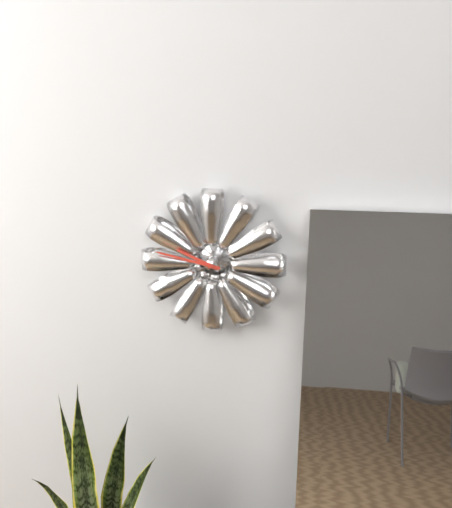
{"hour": 9, "minute": 47}
